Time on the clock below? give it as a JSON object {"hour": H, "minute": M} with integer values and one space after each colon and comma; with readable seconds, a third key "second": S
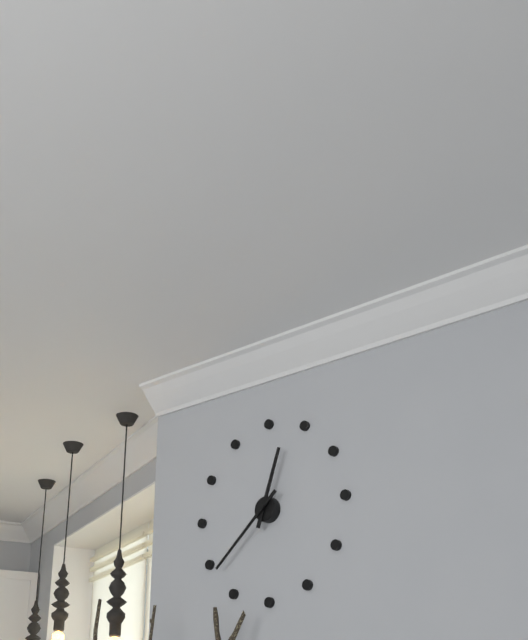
{"hour": 12, "minute": 38}
